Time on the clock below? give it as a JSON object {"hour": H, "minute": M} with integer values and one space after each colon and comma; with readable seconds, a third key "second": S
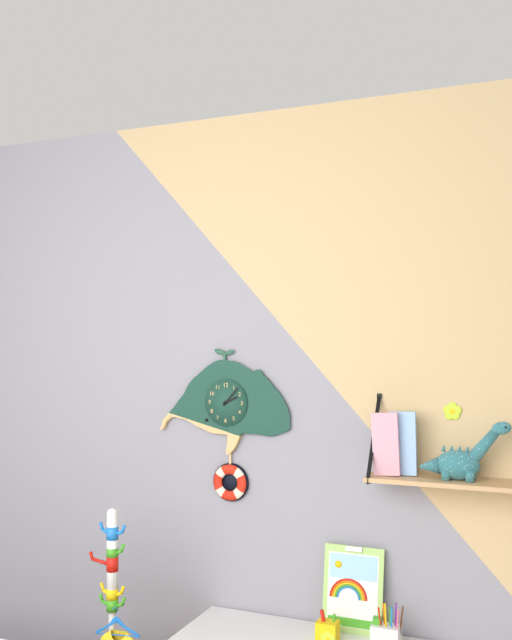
{"hour": 2, "minute": 7}
